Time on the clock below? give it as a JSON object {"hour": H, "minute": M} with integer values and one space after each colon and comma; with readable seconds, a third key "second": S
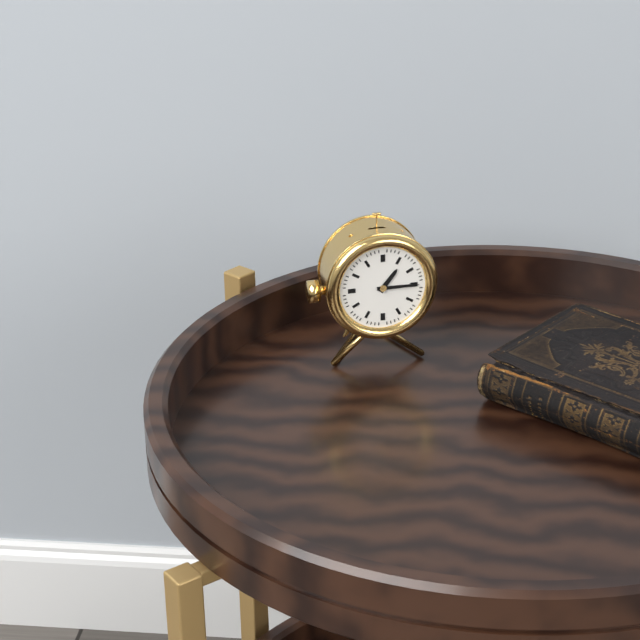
{"hour": 1, "minute": 15}
